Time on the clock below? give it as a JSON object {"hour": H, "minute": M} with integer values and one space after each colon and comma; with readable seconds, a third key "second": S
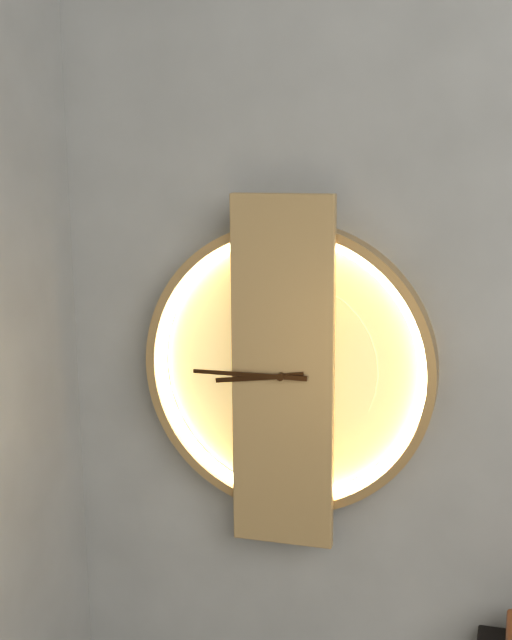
{"hour": 8, "minute": 45}
